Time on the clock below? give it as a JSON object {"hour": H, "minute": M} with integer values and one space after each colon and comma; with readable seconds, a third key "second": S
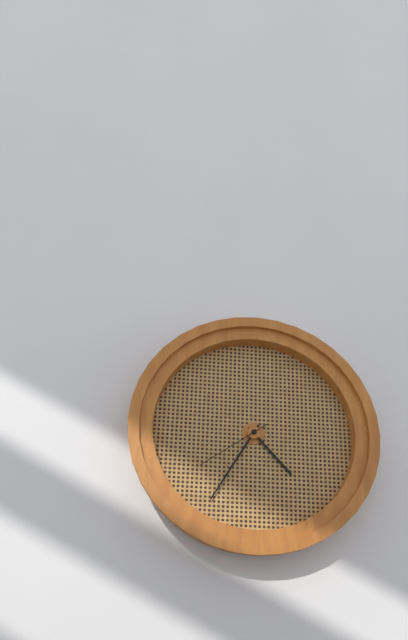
{"hour": 4, "minute": 35, "second": 39}
